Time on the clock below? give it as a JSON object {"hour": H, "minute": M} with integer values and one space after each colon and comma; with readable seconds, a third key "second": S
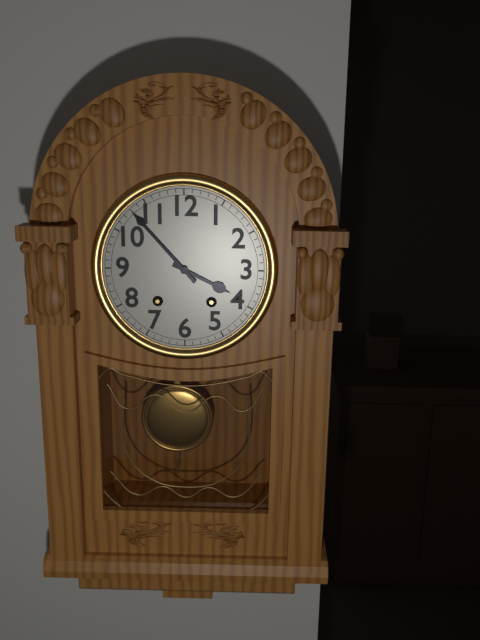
{"hour": 3, "minute": 53}
